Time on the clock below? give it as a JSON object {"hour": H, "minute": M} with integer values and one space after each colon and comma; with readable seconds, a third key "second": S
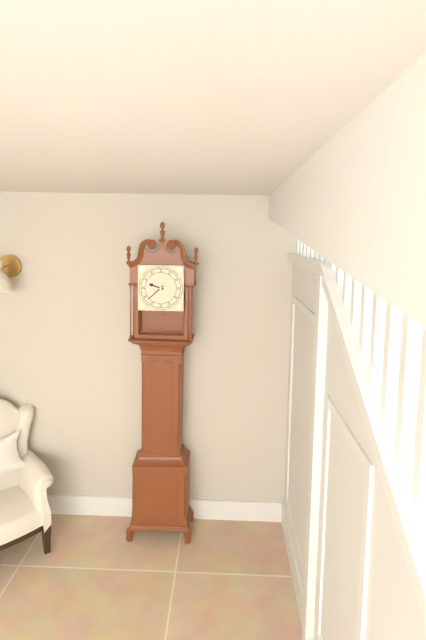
{"hour": 9, "minute": 38}
